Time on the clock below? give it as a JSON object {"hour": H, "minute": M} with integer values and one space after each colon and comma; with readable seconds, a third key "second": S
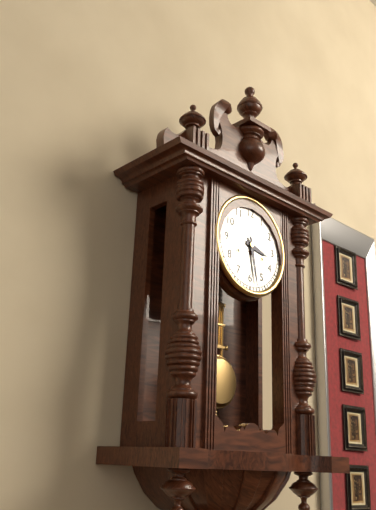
{"hour": 3, "minute": 28}
